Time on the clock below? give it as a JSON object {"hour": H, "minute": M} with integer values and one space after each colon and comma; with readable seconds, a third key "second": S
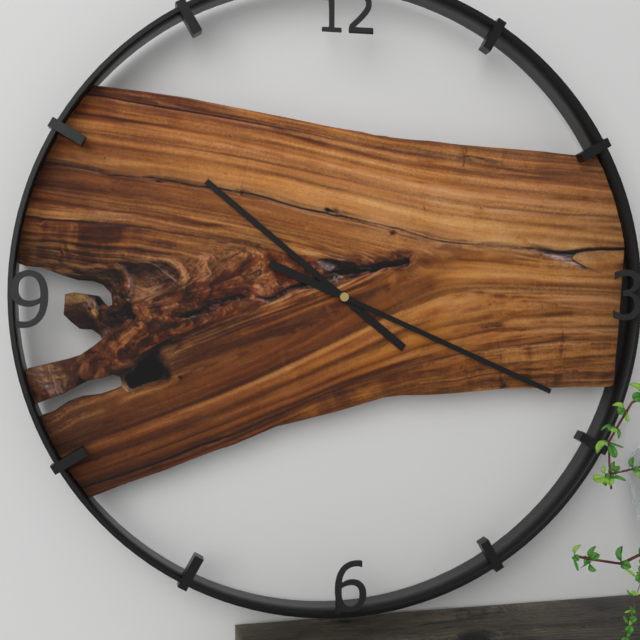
{"hour": 10, "minute": 19}
